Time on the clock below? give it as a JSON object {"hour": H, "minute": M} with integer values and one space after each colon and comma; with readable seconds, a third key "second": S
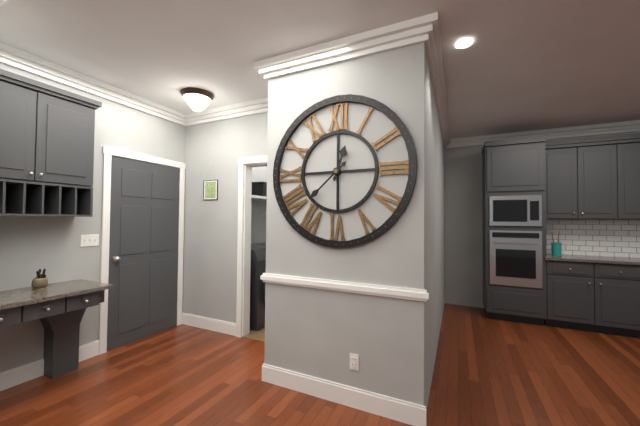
{"hour": 12, "minute": 38}
